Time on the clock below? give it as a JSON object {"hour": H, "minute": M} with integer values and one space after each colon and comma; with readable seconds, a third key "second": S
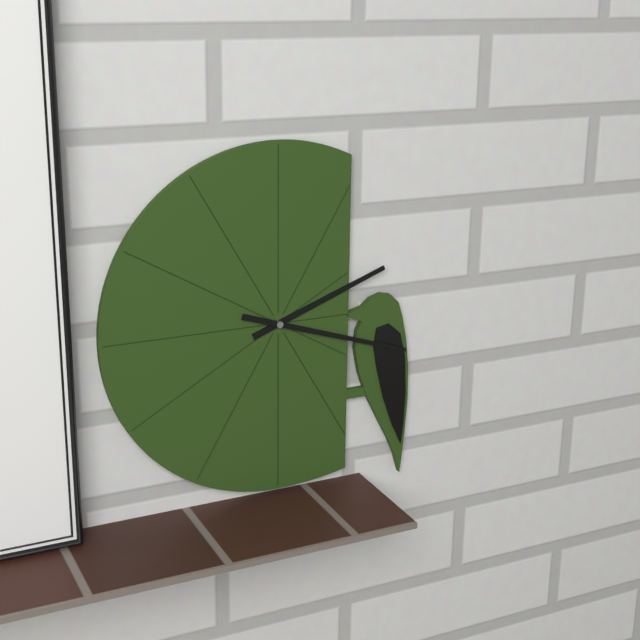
{"hour": 2, "minute": 18}
